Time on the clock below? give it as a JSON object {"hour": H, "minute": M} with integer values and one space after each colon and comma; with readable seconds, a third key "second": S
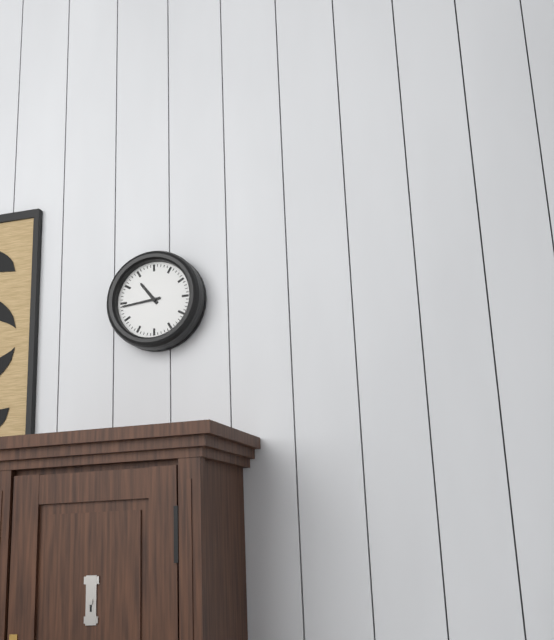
{"hour": 10, "minute": 44}
